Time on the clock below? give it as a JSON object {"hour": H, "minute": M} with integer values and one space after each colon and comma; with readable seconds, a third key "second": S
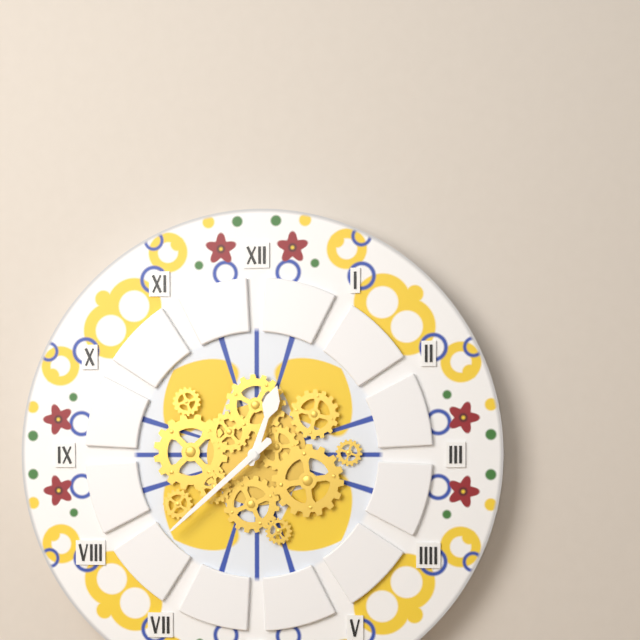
{"hour": 12, "minute": 38}
